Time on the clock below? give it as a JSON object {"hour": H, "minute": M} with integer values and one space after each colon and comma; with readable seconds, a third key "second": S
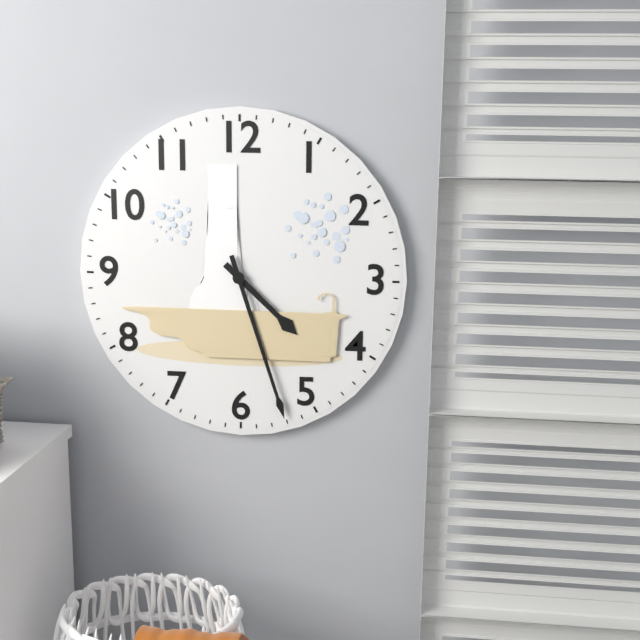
{"hour": 4, "minute": 27}
